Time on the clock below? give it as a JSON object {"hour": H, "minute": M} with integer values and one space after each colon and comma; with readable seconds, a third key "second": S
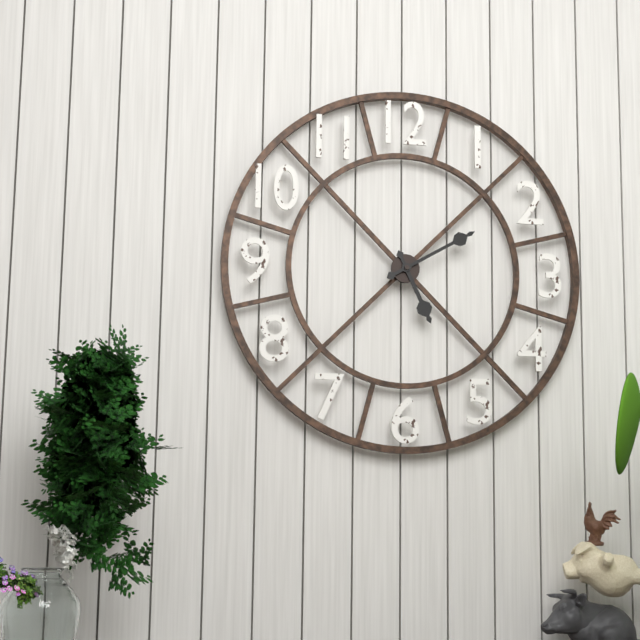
{"hour": 5, "minute": 10}
